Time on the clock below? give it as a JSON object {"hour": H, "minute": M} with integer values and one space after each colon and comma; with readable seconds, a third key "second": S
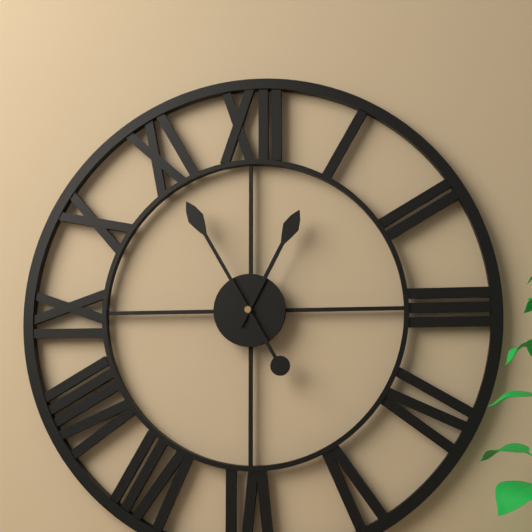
{"hour": 12, "minute": 55}
